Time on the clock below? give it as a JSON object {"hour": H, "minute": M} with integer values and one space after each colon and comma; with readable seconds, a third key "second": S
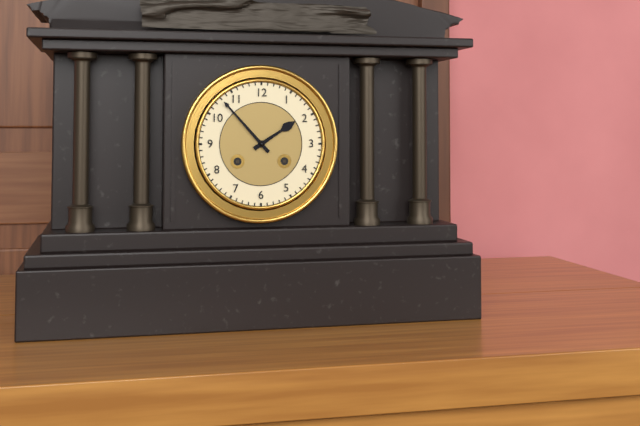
{"hour": 1, "minute": 53}
